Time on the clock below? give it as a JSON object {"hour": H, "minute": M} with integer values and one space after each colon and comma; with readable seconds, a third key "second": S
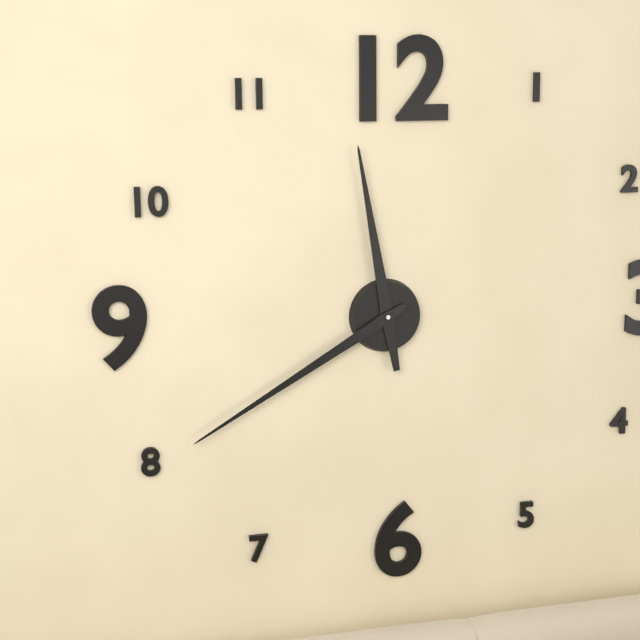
{"hour": 11, "minute": 40}
